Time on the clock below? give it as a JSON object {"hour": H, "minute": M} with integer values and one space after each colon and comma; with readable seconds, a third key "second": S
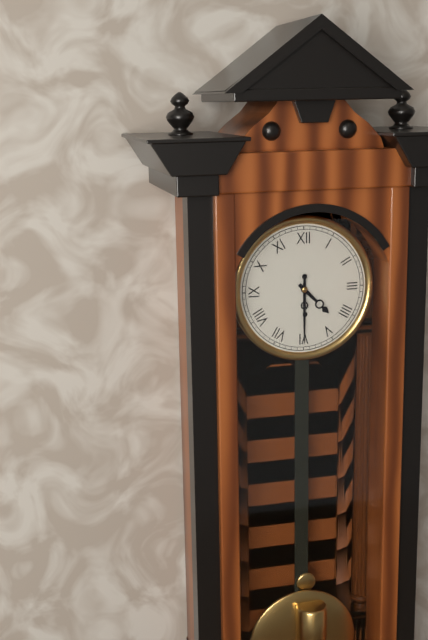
{"hour": 4, "minute": 30}
